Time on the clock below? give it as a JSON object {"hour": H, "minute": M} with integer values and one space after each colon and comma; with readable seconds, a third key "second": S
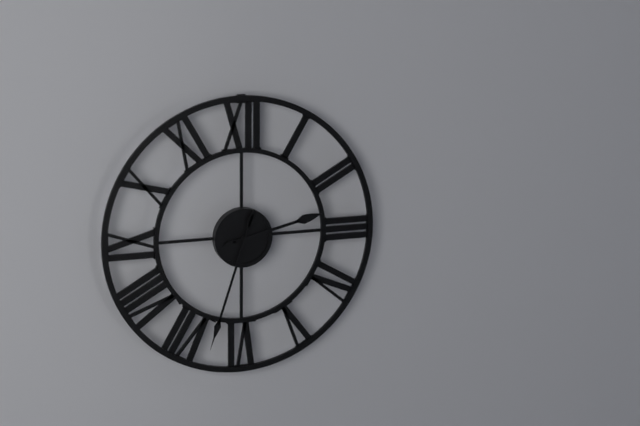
{"hour": 2, "minute": 33}
